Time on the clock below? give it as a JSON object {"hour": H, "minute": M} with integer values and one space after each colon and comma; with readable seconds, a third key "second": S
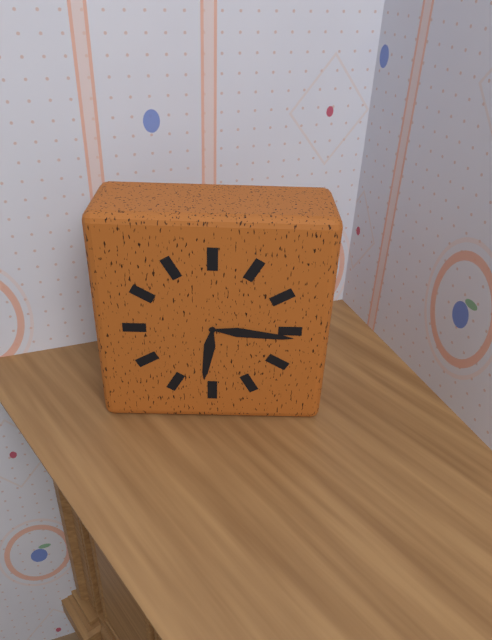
{"hour": 6, "minute": 16}
